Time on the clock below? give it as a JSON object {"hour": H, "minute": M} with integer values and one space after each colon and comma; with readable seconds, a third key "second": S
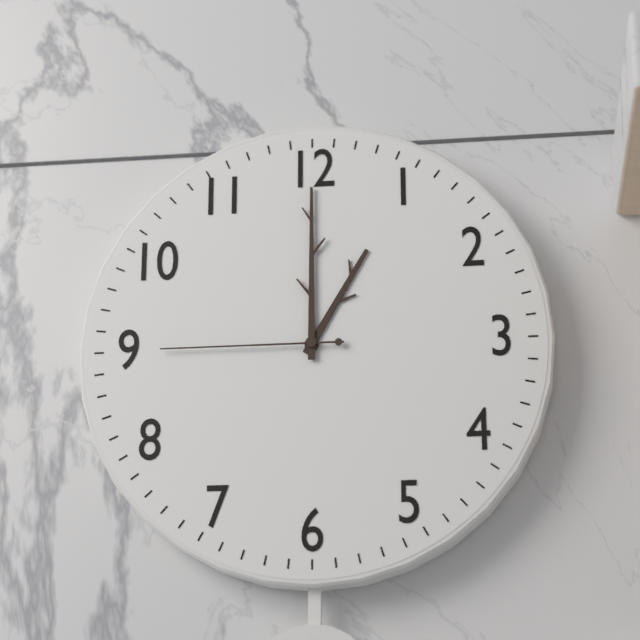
{"hour": 1, "minute": 0, "second": 45}
